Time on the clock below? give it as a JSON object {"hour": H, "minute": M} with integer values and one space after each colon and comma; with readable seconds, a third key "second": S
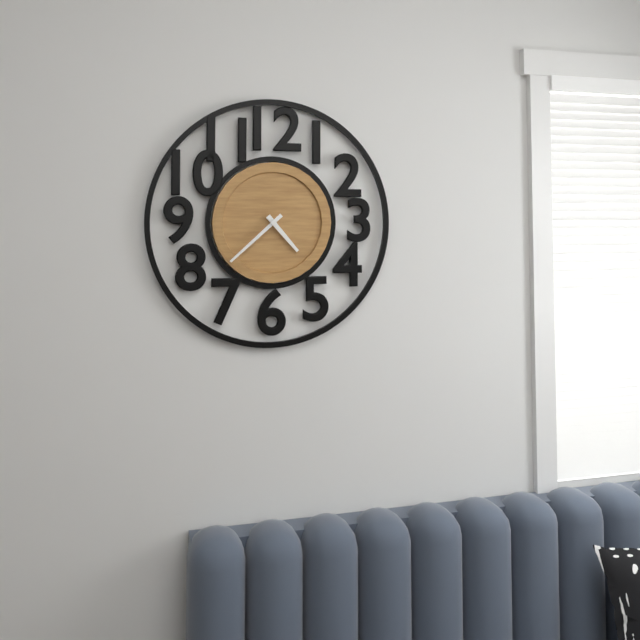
{"hour": 4, "minute": 38}
